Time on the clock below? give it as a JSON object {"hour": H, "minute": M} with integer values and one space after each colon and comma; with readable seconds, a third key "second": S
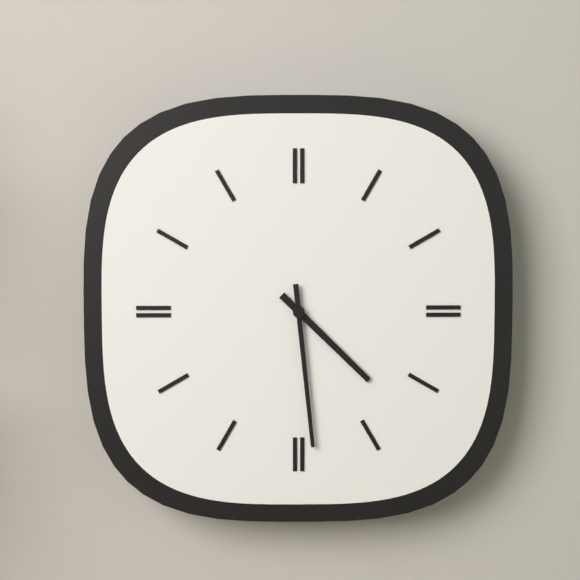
{"hour": 4, "minute": 29}
